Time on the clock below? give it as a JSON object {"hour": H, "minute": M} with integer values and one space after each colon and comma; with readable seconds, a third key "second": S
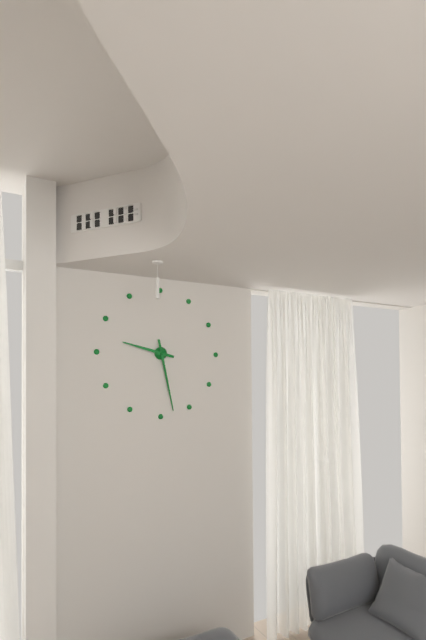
{"hour": 9, "minute": 28}
